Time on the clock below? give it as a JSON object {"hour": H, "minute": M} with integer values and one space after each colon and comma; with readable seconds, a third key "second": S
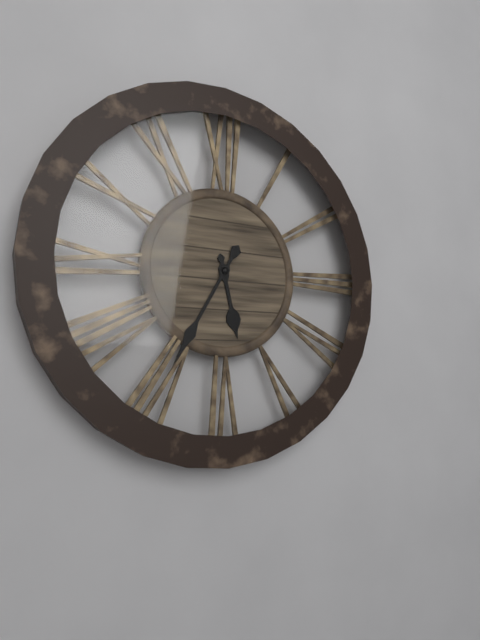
{"hour": 5, "minute": 35}
